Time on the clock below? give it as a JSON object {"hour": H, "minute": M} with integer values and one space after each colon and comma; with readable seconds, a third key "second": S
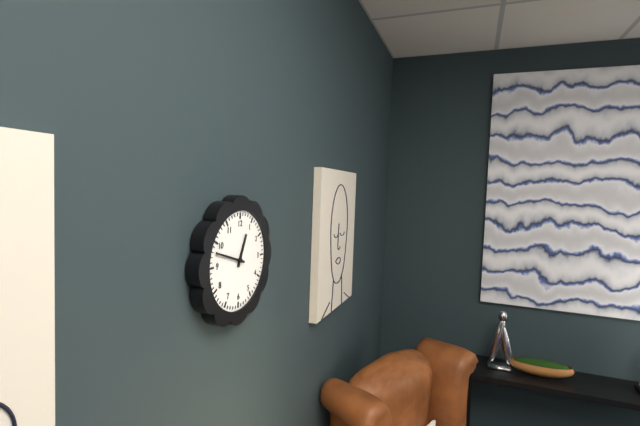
{"hour": 12, "minute": 48}
